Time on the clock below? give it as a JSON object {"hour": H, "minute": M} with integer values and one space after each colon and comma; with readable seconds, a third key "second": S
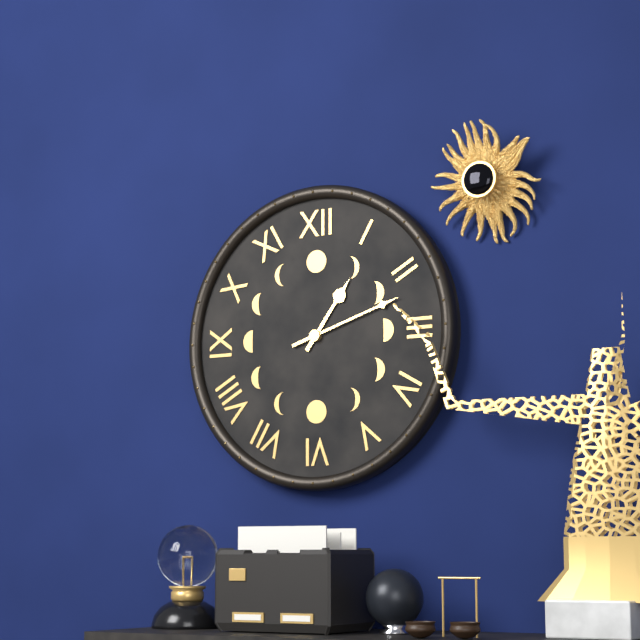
{"hour": 1, "minute": 12}
